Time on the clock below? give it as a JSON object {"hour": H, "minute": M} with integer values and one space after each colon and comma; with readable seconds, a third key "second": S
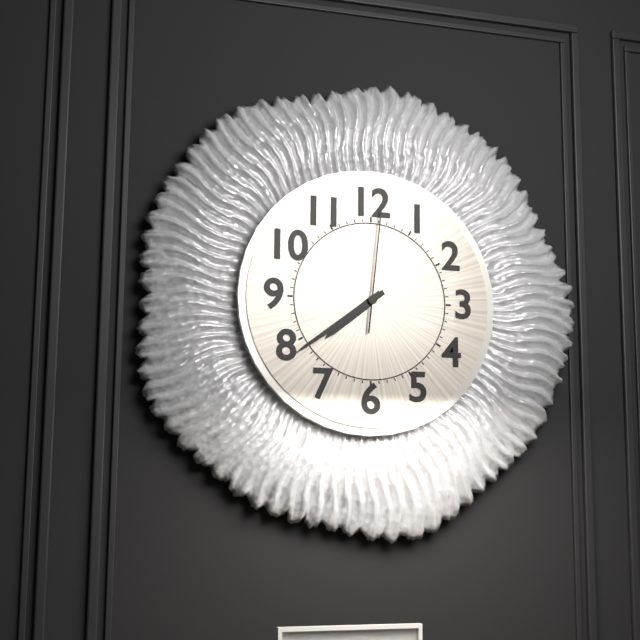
{"hour": 7, "minute": 39, "second": 1}
